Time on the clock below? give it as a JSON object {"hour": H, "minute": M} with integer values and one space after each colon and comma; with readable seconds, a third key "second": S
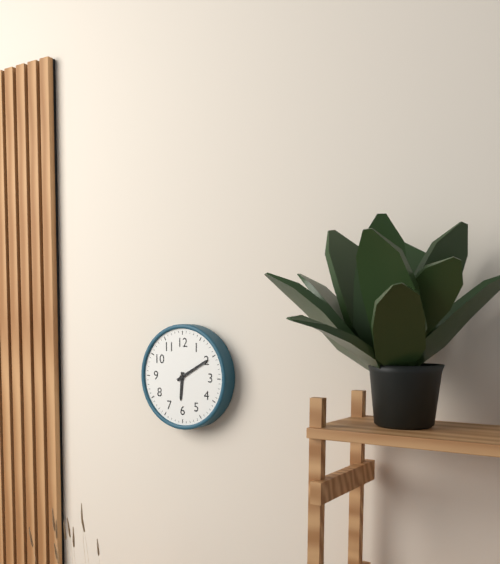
{"hour": 6, "minute": 10}
